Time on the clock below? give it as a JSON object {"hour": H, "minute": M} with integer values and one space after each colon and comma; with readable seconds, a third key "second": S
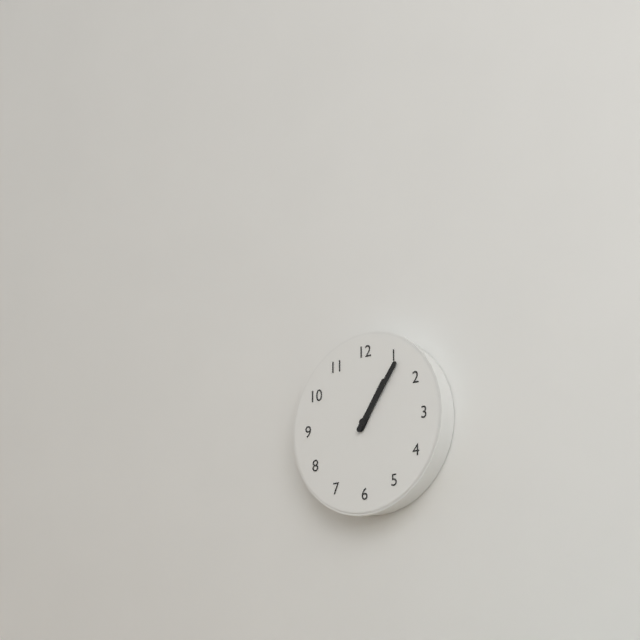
{"hour": 1, "minute": 6}
